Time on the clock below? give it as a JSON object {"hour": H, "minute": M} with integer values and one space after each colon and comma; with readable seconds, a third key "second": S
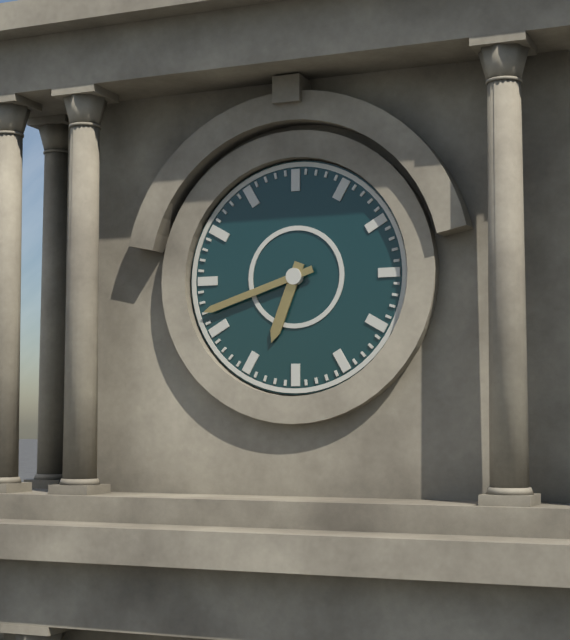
{"hour": 6, "minute": 42}
